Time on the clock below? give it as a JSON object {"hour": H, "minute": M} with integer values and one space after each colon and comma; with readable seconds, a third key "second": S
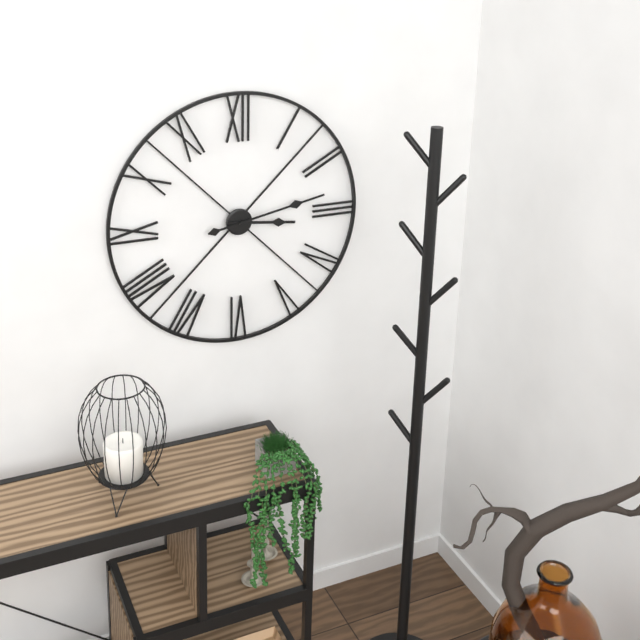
{"hour": 3, "minute": 13}
